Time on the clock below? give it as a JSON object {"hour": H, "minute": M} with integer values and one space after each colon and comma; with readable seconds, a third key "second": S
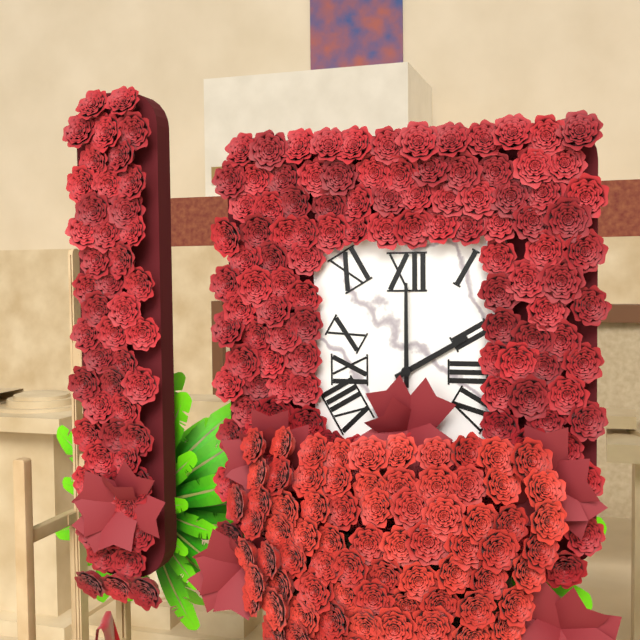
{"hour": 2, "minute": 0}
